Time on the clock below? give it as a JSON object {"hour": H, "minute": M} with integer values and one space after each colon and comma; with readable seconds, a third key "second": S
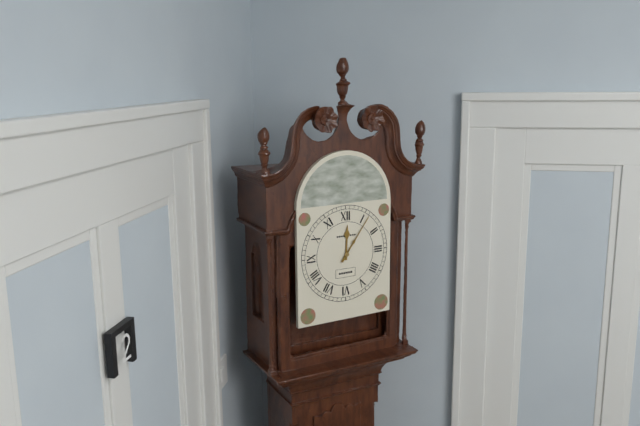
{"hour": 12, "minute": 6}
